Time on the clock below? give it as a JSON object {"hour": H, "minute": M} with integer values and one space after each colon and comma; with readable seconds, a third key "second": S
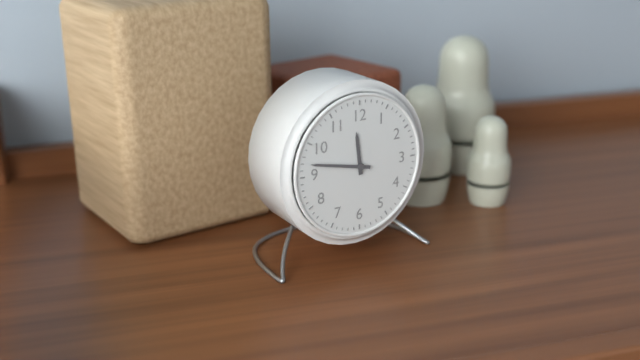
{"hour": 11, "minute": 47}
